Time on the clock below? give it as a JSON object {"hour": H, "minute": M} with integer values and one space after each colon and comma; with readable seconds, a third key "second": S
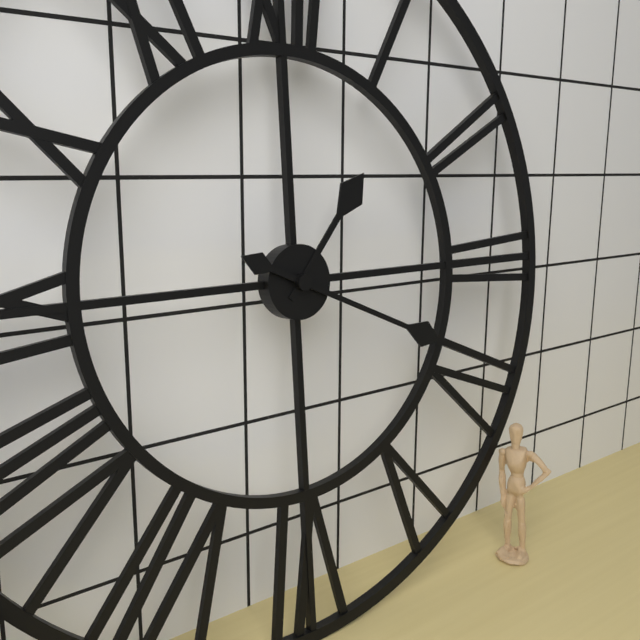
{"hour": 1, "minute": 19}
